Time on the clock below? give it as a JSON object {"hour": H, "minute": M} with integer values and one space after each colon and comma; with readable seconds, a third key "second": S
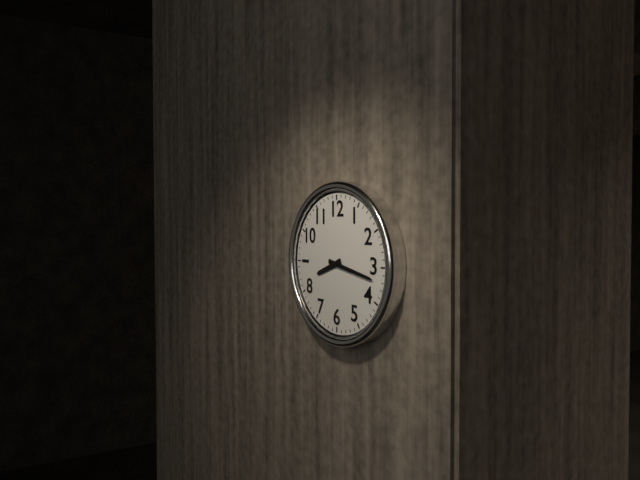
{"hour": 8, "minute": 17}
